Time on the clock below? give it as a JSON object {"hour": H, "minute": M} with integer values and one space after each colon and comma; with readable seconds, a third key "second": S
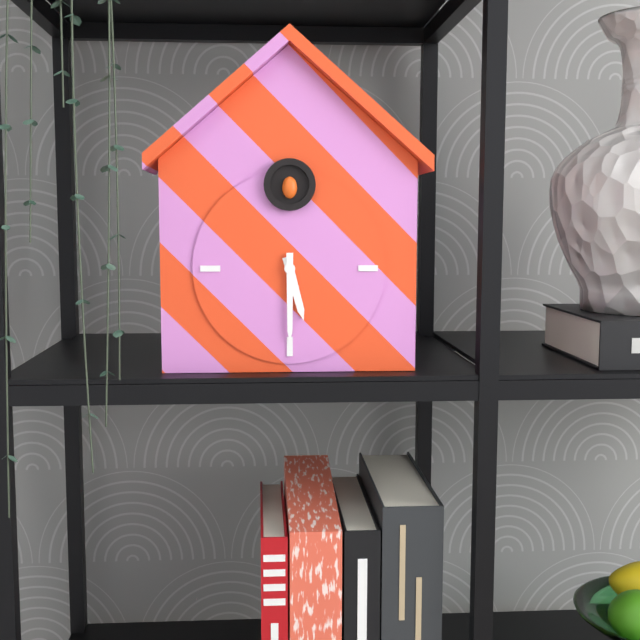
{"hour": 5, "minute": 30}
